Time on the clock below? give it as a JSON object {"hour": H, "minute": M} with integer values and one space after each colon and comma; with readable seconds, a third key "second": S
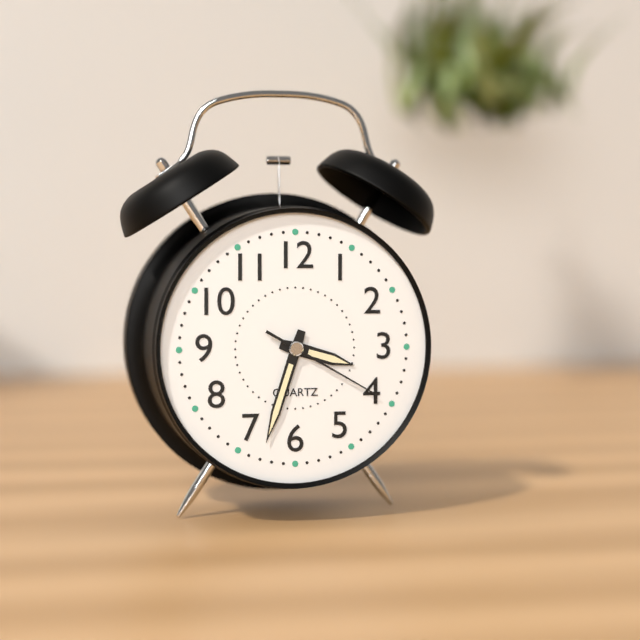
{"hour": 3, "minute": 33, "second": 20}
